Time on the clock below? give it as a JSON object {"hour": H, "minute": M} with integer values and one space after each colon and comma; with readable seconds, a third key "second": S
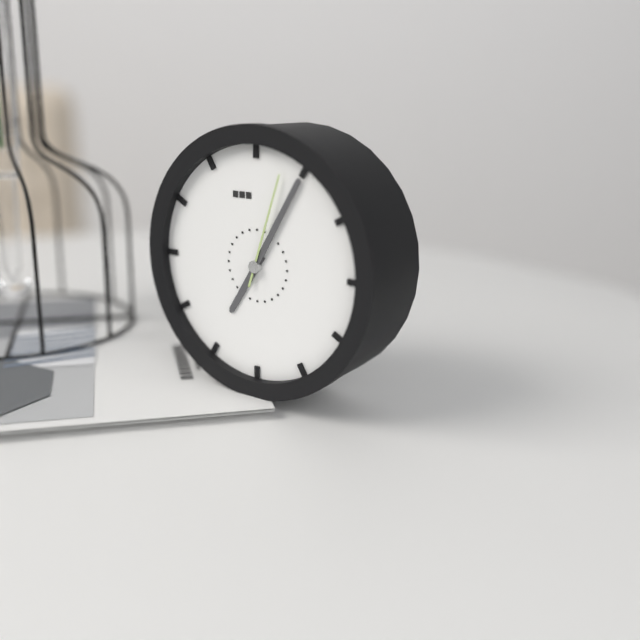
{"hour": 7, "minute": 5, "second": 3}
